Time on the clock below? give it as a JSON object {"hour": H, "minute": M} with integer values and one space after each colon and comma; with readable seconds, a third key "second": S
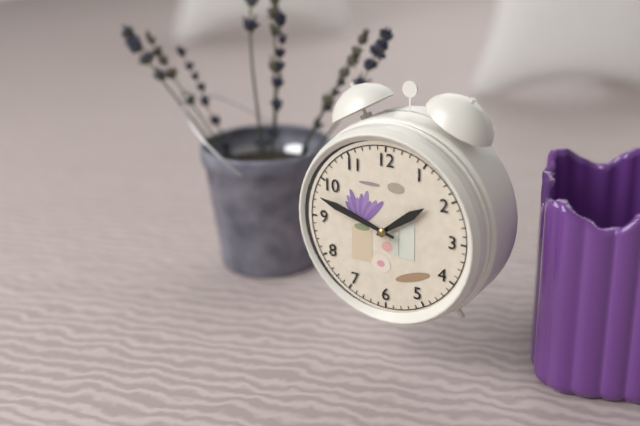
{"hour": 1, "minute": 48}
